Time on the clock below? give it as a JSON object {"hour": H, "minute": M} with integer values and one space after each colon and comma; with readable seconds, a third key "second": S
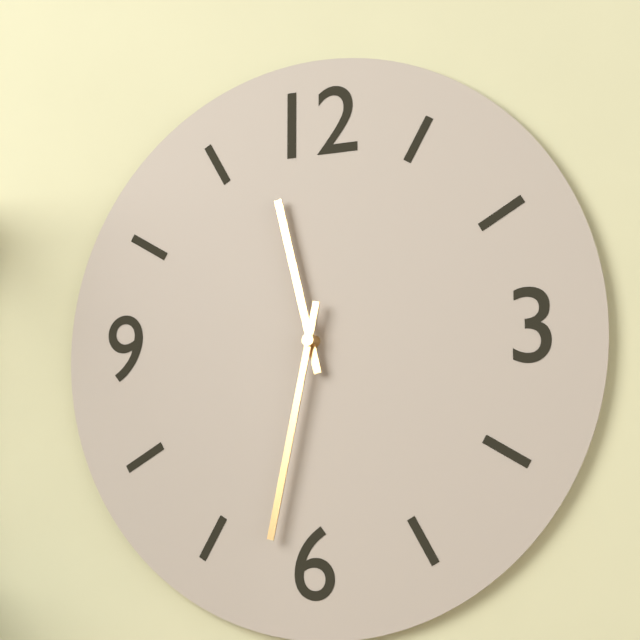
{"hour": 11, "minute": 32}
